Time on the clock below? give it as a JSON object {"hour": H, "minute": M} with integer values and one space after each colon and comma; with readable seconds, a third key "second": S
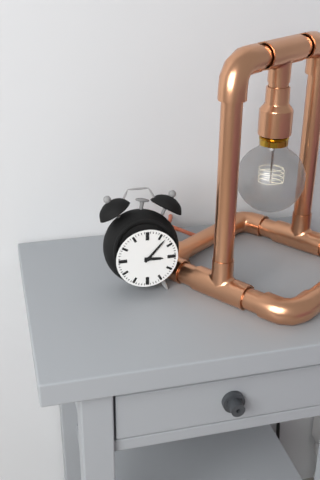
{"hour": 3, "minute": 7}
